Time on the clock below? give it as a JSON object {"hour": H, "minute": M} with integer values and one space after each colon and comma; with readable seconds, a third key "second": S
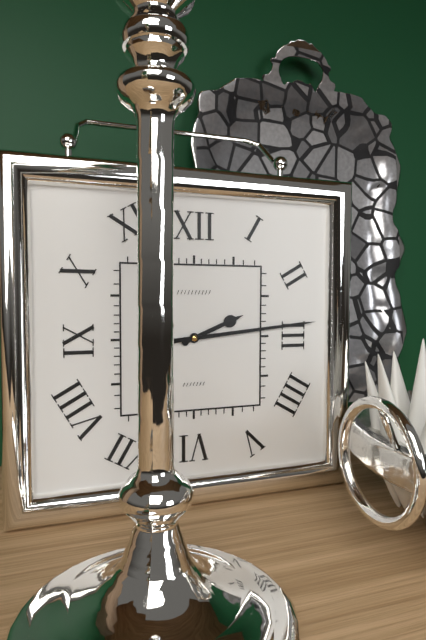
{"hour": 2, "minute": 14}
